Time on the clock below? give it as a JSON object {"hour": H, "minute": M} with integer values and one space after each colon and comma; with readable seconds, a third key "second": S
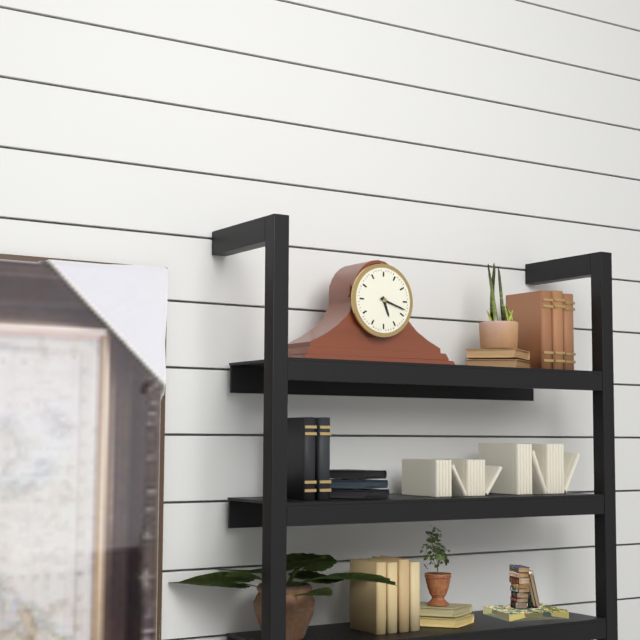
{"hour": 5, "minute": 18}
